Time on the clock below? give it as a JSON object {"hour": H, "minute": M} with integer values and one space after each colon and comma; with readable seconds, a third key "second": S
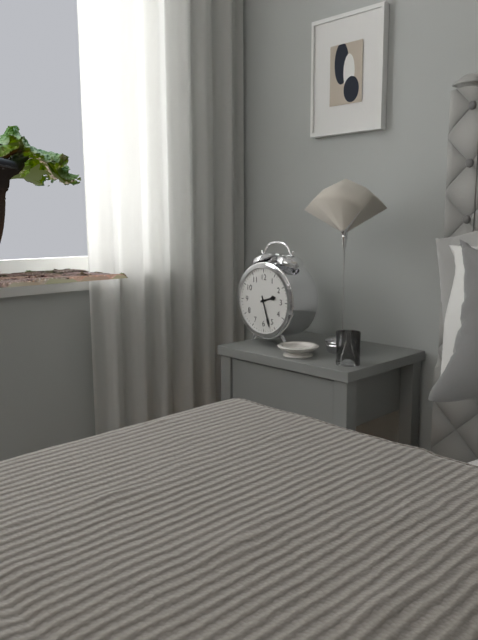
{"hour": 2, "minute": 27}
